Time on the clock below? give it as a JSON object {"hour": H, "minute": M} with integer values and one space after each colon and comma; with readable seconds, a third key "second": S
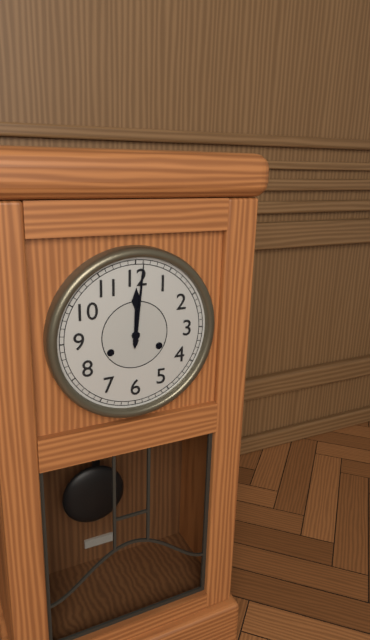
{"hour": 12, "minute": 1}
